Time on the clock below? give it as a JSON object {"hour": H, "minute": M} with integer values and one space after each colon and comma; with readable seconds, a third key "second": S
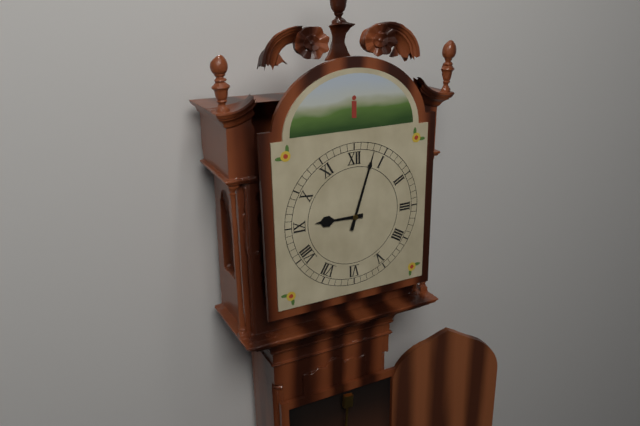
{"hour": 9, "minute": 3}
